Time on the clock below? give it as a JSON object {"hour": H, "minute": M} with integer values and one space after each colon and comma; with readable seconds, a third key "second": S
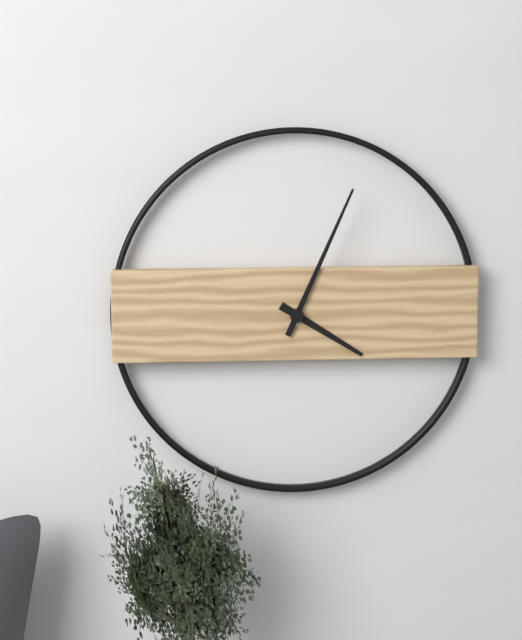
{"hour": 4, "minute": 4}
